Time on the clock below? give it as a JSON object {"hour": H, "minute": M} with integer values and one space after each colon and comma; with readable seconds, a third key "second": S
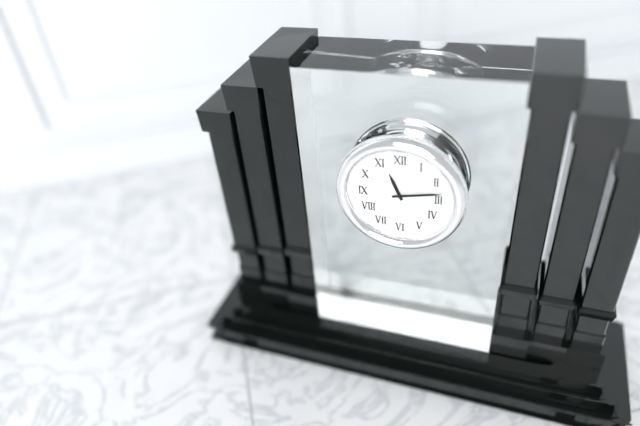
{"hour": 11, "minute": 13}
